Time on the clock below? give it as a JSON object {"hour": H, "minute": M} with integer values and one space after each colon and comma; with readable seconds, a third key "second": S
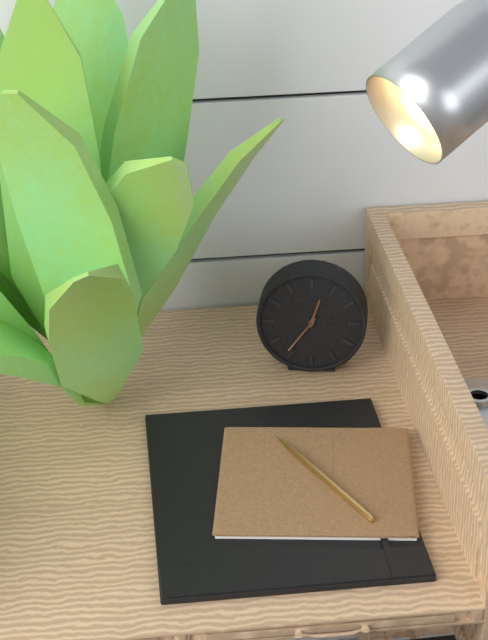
{"hour": 12, "minute": 36}
